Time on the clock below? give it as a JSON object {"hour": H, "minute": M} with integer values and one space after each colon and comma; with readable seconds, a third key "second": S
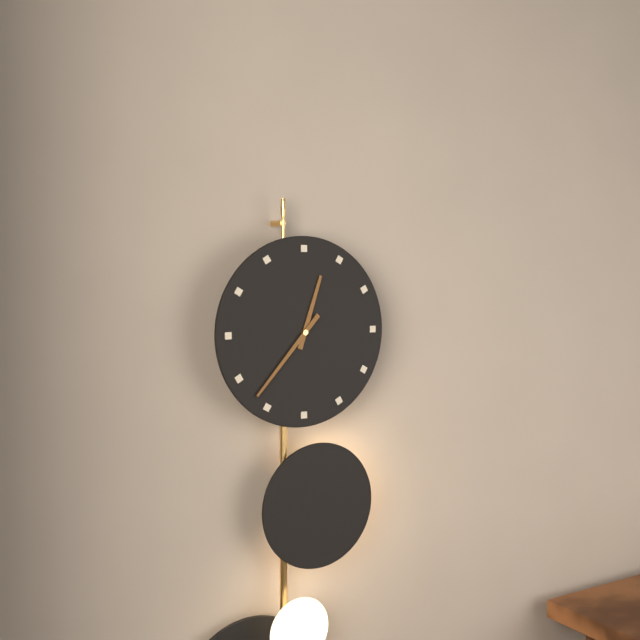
{"hour": 12, "minute": 37}
